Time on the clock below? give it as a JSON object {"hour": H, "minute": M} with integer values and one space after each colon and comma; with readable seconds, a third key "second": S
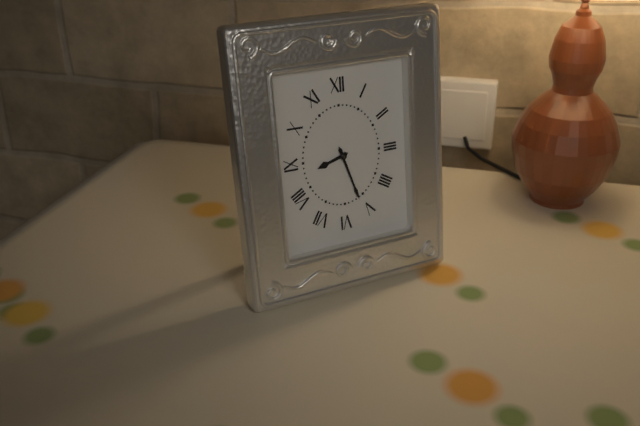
{"hour": 8, "minute": 27}
